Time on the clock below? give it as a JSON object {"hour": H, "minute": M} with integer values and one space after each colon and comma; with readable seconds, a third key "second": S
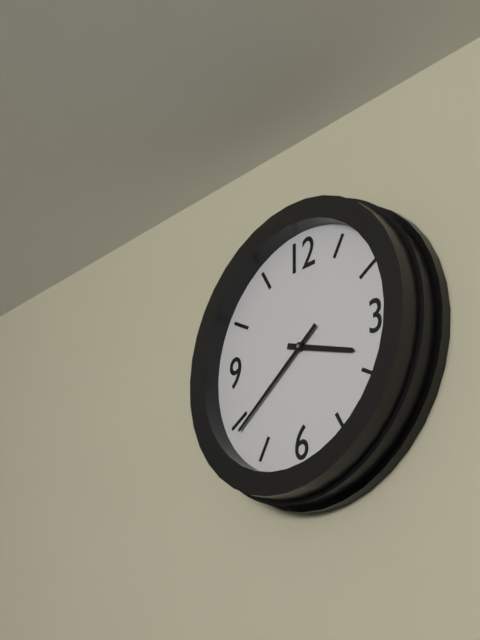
{"hour": 3, "minute": 39}
